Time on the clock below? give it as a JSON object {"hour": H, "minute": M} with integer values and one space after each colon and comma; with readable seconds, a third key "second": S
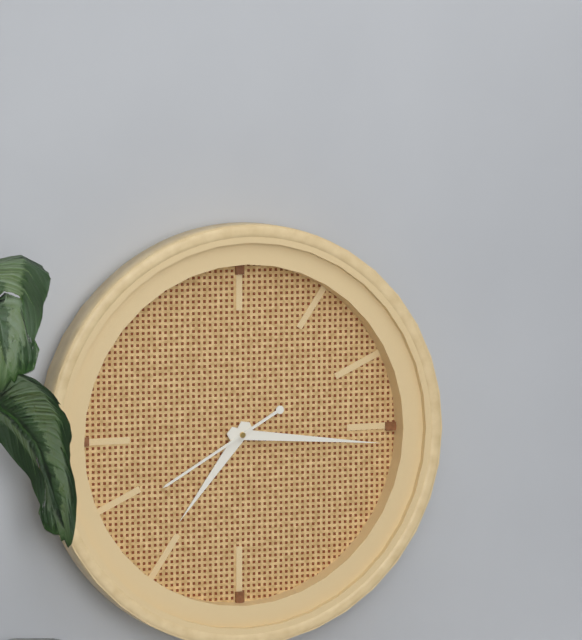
{"hour": 7, "minute": 16, "second": 40}
